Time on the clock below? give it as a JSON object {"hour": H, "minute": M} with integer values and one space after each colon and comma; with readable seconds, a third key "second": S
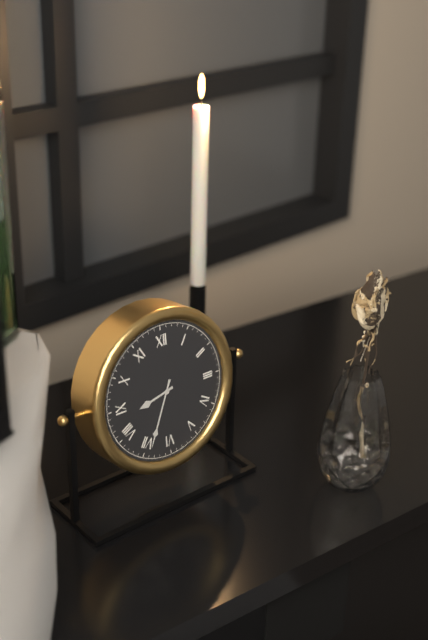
{"hour": 8, "minute": 34}
